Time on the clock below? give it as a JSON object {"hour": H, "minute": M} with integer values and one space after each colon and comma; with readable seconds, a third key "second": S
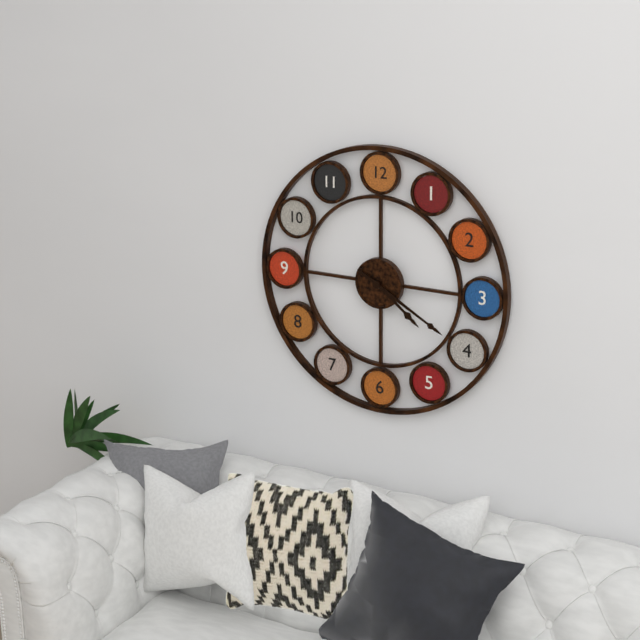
{"hour": 4, "minute": 20}
